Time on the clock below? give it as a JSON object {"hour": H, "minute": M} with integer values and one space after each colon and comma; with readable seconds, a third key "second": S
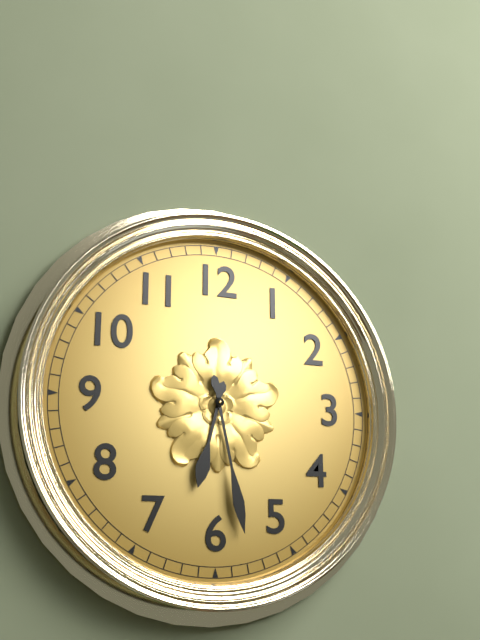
{"hour": 6, "minute": 28}
